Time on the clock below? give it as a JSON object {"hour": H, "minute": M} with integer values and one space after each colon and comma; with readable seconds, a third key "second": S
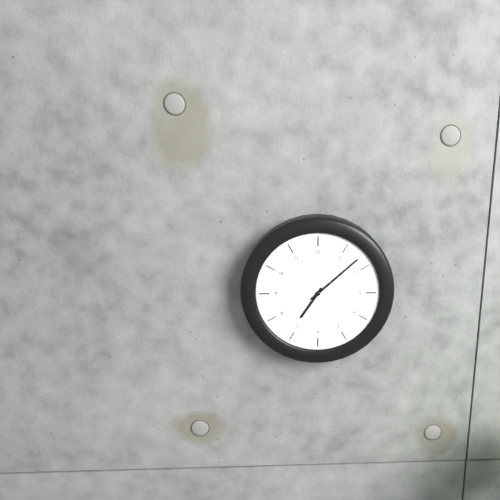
{"hour": 7, "minute": 8}
